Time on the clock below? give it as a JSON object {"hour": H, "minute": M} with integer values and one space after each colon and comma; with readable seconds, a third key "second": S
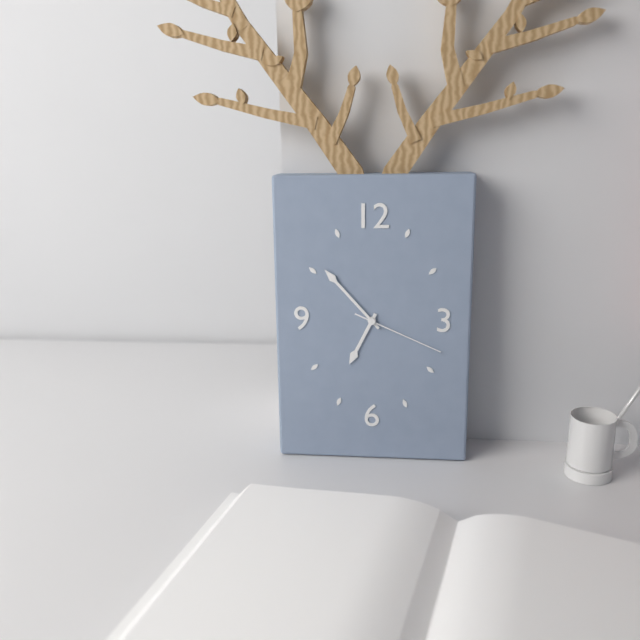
{"hour": 6, "minute": 53, "second": 19}
